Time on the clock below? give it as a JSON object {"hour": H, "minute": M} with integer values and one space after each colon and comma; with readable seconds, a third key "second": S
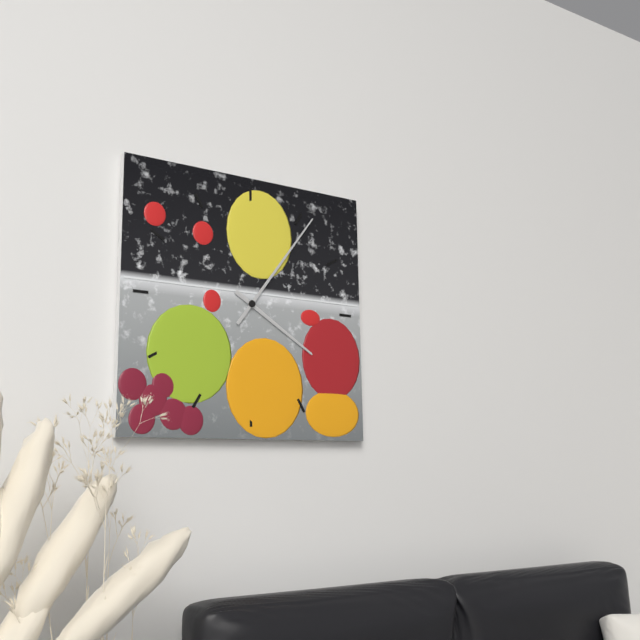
{"hour": 4, "minute": 6}
